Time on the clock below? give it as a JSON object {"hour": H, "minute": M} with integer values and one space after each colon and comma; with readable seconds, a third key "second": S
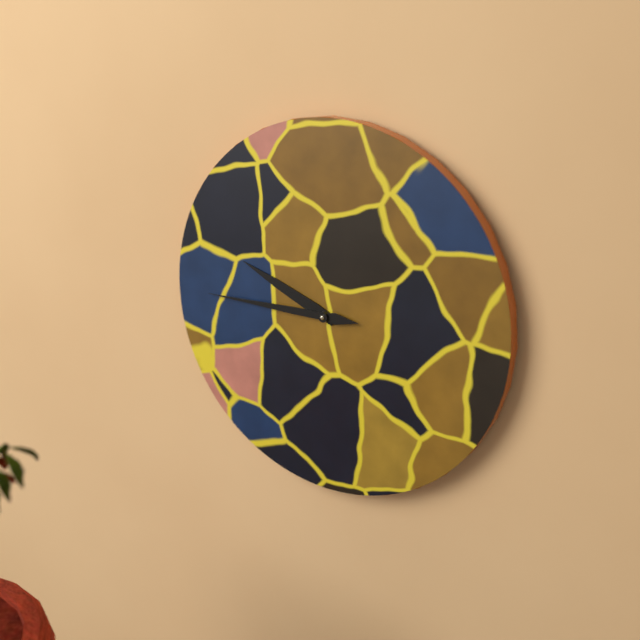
{"hour": 9, "minute": 45}
